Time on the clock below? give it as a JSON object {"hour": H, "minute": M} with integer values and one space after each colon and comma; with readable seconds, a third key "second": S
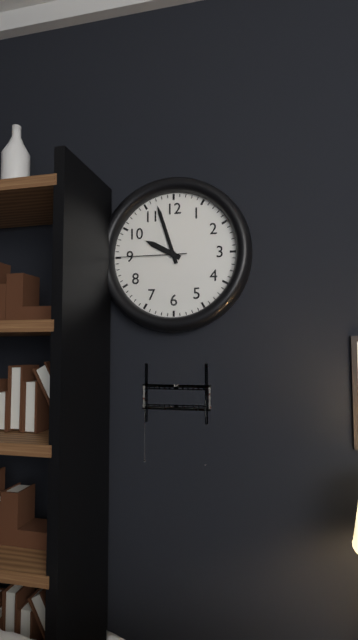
{"hour": 9, "minute": 57, "second": 45}
